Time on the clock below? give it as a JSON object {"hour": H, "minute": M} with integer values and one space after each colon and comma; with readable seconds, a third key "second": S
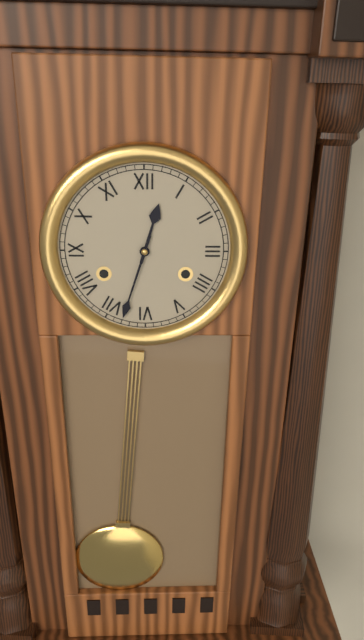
{"hour": 12, "minute": 33}
